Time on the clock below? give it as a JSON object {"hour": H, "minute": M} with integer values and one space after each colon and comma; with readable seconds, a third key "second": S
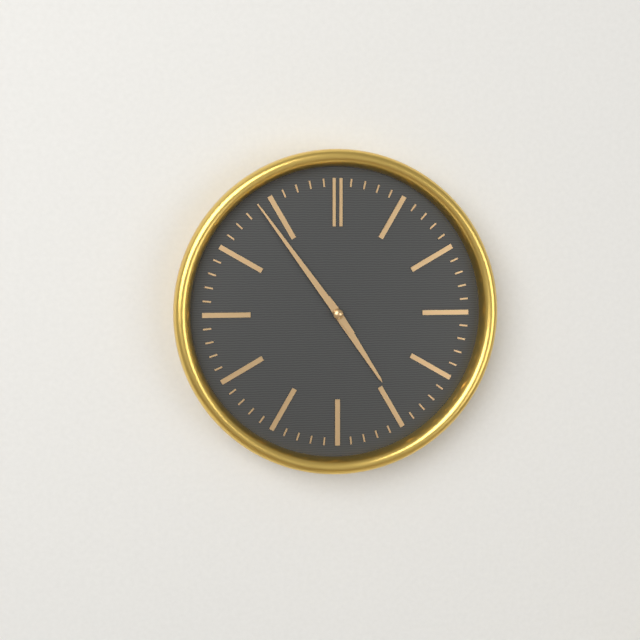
{"hour": 4, "minute": 54}
